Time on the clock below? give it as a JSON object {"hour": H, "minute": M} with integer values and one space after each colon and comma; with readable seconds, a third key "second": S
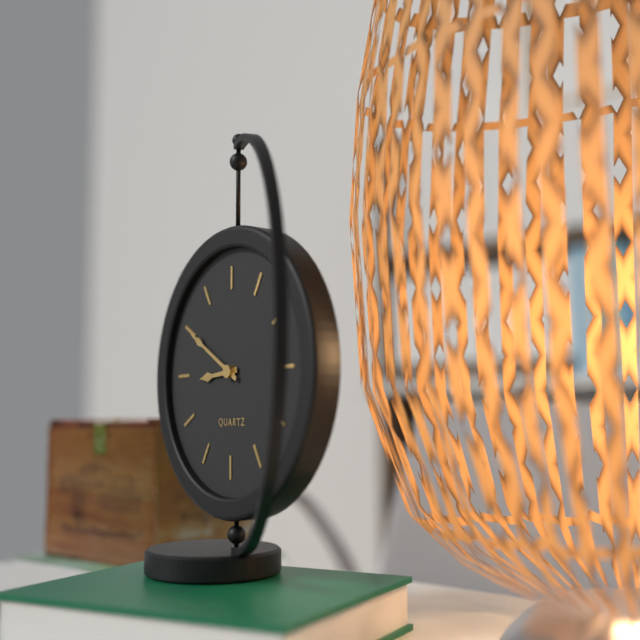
{"hour": 8, "minute": 50}
